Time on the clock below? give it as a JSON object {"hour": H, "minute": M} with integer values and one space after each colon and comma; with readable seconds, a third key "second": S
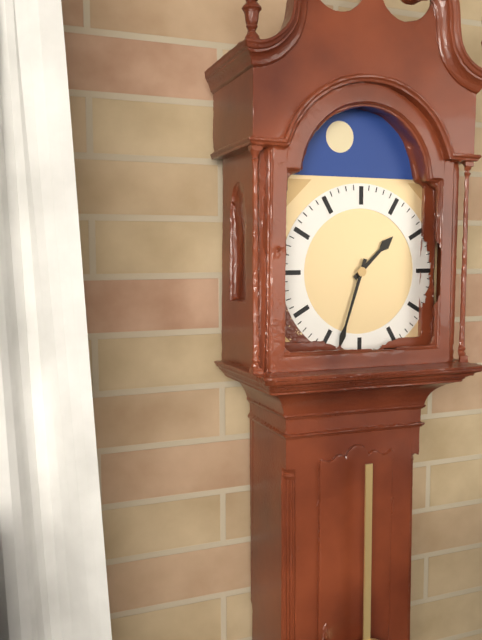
{"hour": 1, "minute": 33}
